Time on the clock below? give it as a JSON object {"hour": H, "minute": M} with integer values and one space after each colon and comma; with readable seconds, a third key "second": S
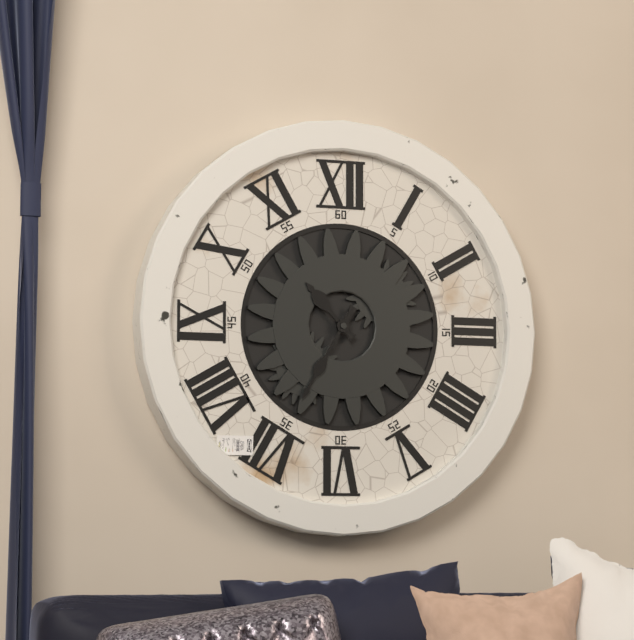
{"hour": 10, "minute": 35}
